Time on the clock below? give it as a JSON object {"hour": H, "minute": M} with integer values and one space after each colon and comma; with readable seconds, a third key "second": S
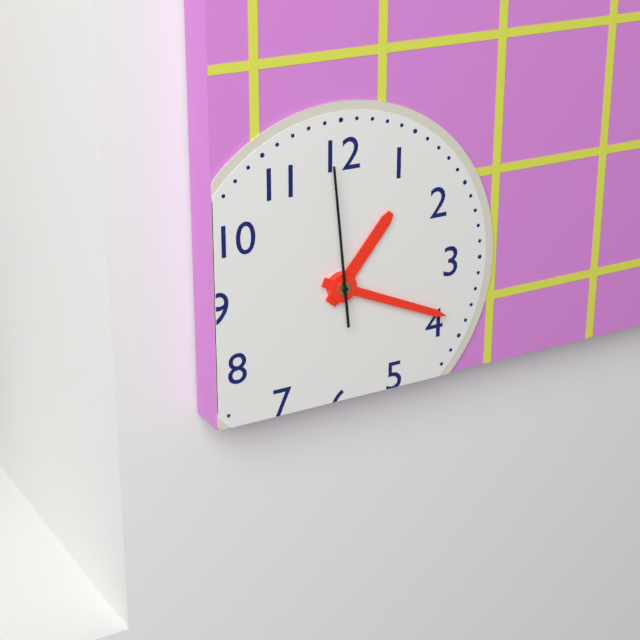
{"hour": 1, "minute": 19, "second": 59}
